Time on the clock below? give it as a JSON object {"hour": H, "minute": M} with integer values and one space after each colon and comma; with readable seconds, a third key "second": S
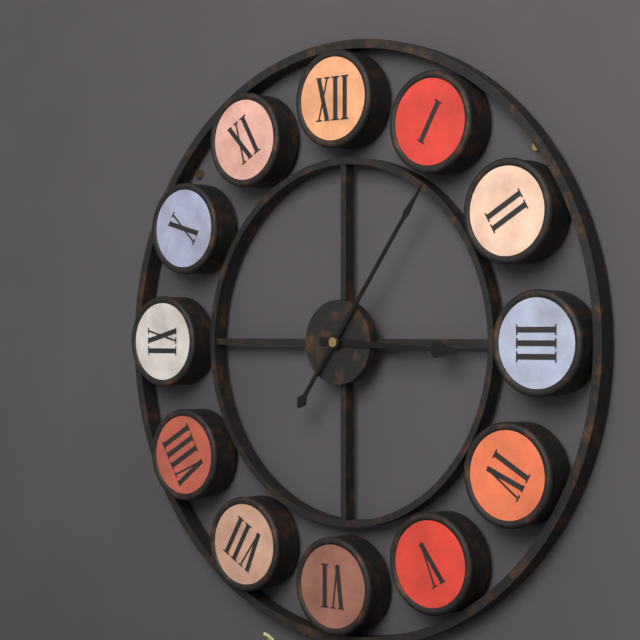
{"hour": 3, "minute": 6}
